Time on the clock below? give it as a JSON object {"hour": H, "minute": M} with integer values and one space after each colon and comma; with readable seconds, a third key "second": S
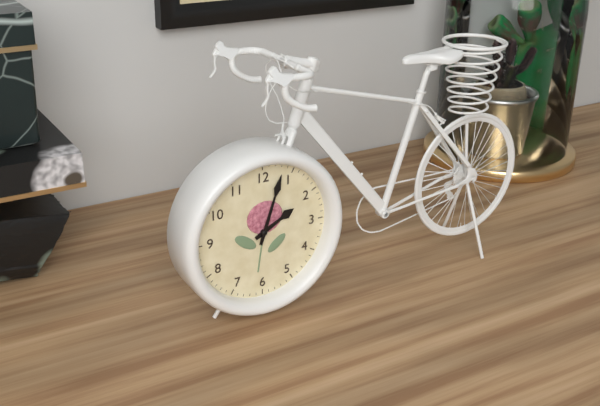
{"hour": 2, "minute": 3}
